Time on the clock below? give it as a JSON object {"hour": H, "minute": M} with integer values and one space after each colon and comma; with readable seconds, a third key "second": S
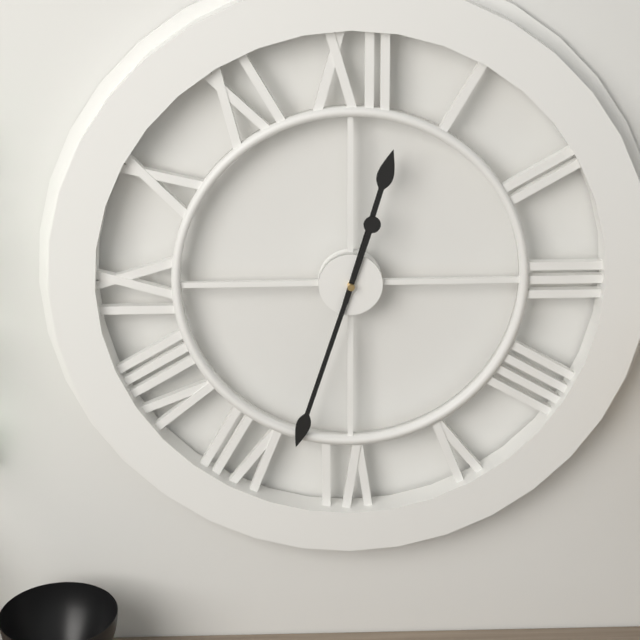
{"hour": 12, "minute": 33}
